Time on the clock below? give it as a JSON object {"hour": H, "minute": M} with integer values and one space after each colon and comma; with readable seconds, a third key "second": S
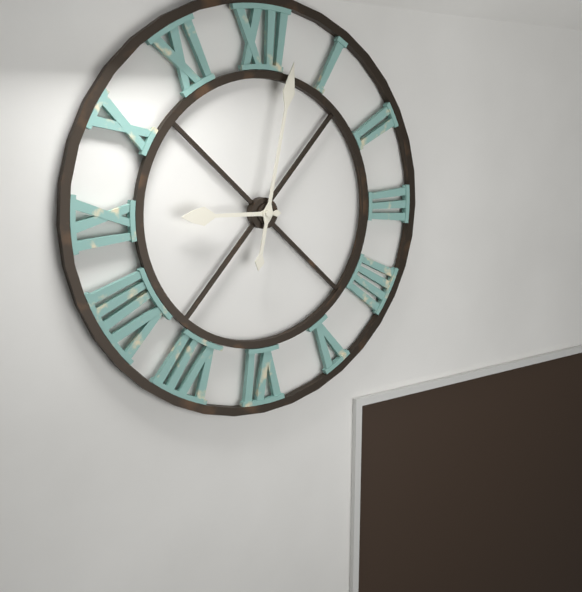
{"hour": 9, "minute": 2}
